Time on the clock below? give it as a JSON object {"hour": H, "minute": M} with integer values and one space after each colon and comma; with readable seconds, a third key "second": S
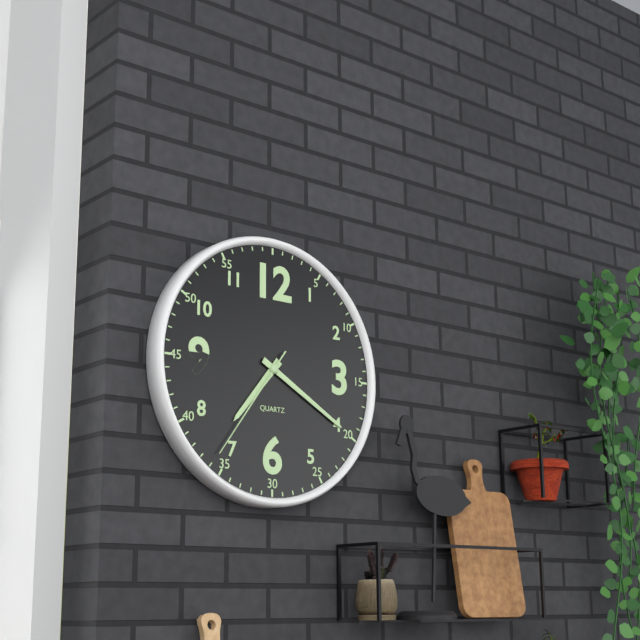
{"hour": 7, "minute": 20, "second": 36}
